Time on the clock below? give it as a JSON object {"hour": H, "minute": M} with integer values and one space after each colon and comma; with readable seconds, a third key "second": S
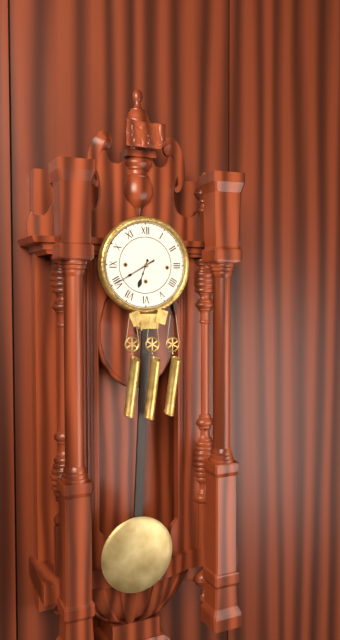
{"hour": 6, "minute": 40}
